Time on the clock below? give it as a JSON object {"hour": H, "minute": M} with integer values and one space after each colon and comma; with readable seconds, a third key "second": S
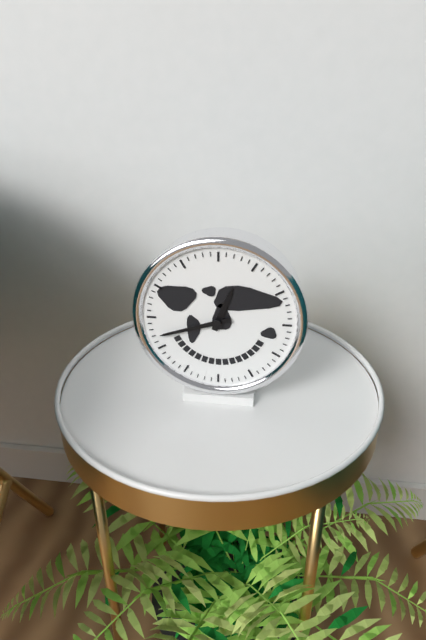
{"hour": 12, "minute": 42}
